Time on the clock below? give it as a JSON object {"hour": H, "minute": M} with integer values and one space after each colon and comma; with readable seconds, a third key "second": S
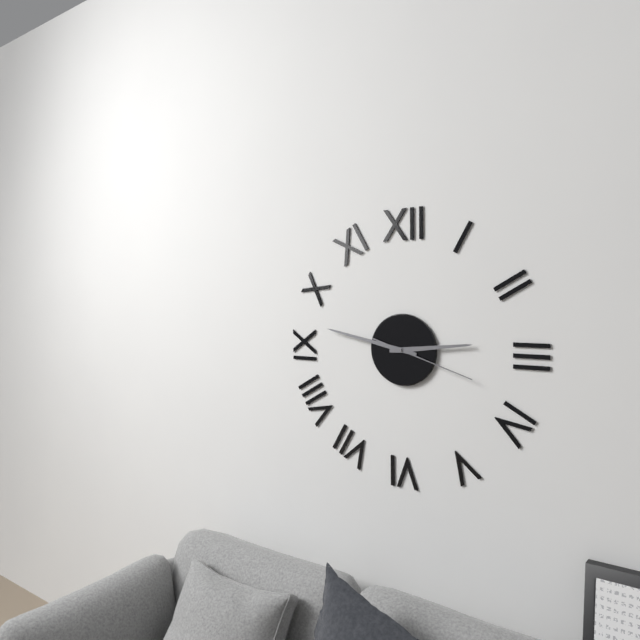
{"hour": 2, "minute": 47, "second": 18}
